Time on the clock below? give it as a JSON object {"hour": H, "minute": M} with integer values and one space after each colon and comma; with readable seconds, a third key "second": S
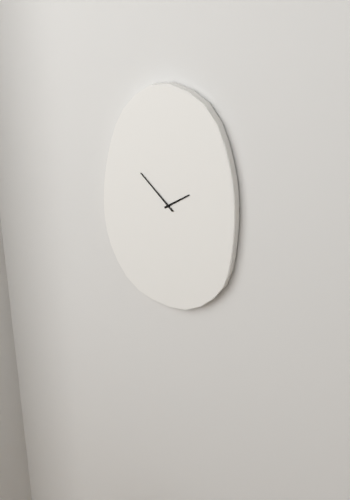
{"hour": 1, "minute": 52}
